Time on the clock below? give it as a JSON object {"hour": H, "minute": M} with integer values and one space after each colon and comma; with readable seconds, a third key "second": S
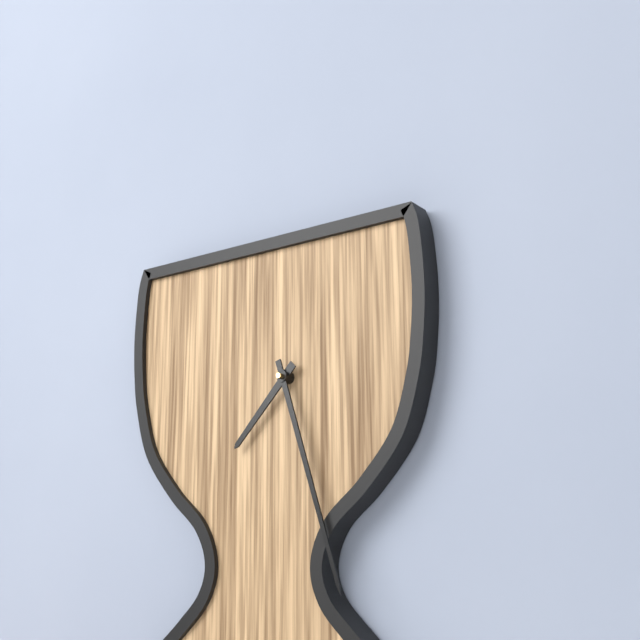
{"hour": 7, "minute": 27}
